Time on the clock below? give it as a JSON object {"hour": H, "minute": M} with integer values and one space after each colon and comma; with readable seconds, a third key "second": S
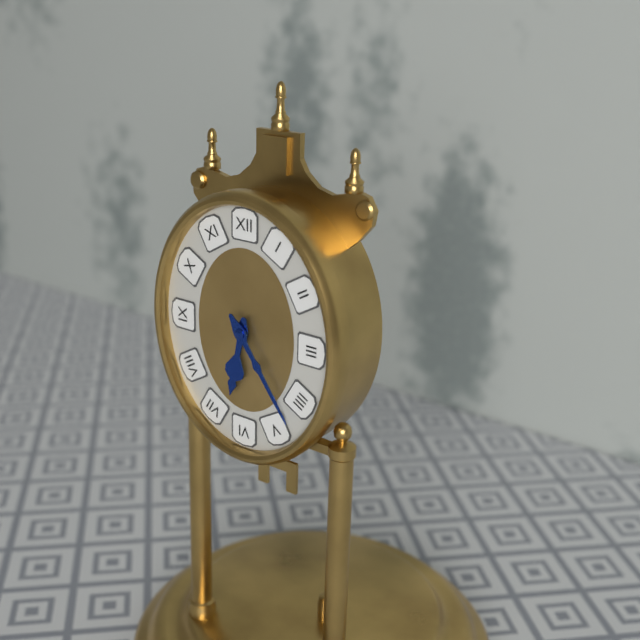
{"hour": 6, "minute": 24}
